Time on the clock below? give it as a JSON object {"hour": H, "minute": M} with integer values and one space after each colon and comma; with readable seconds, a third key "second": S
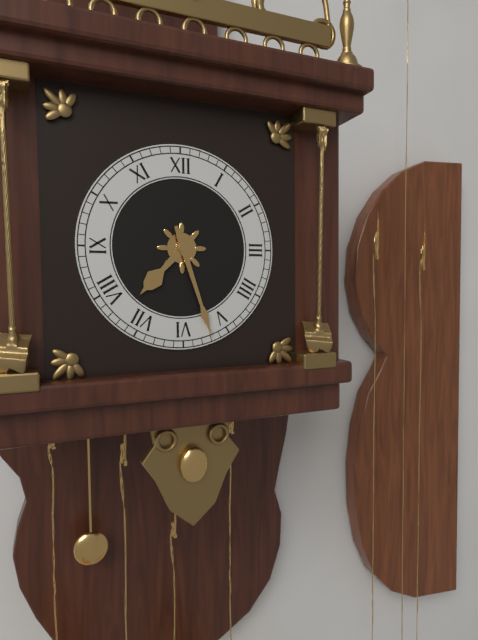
{"hour": 7, "minute": 27}
